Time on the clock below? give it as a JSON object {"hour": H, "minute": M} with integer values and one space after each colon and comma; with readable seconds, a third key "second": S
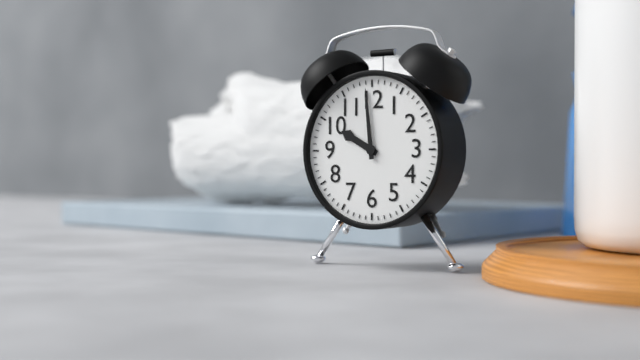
{"hour": 9, "minute": 59}
